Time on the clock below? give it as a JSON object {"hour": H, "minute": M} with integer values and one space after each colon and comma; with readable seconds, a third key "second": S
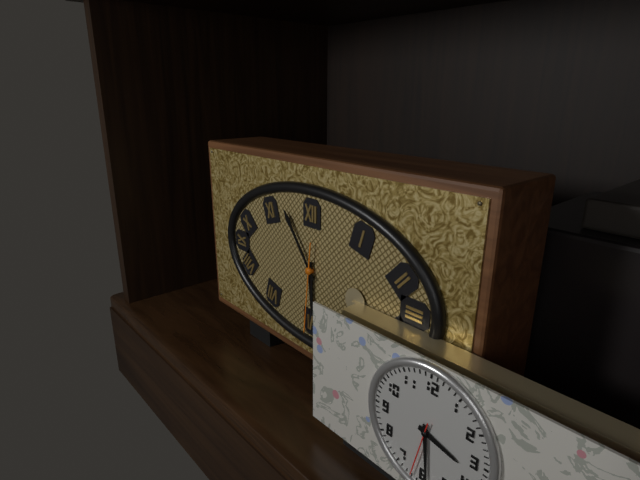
{"hour": 5, "minute": 54, "second": 31}
